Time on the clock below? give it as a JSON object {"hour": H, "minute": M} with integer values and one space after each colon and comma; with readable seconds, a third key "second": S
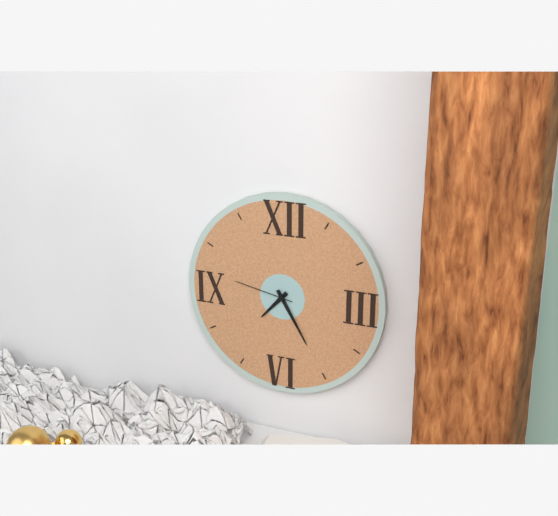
{"hour": 7, "minute": 25, "second": 47}
